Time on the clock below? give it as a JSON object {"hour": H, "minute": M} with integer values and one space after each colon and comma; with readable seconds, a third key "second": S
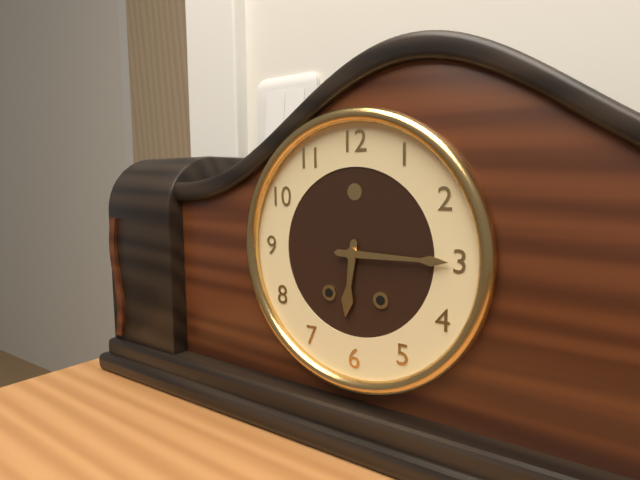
{"hour": 6, "minute": 15}
